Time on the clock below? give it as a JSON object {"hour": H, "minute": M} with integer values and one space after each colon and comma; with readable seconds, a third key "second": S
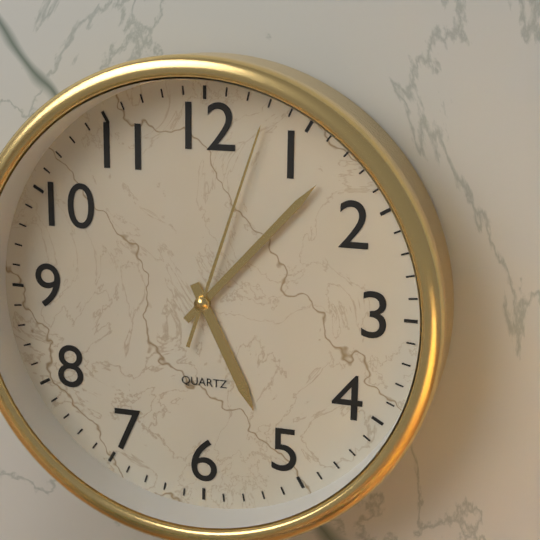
{"hour": 5, "minute": 7, "second": 3}
